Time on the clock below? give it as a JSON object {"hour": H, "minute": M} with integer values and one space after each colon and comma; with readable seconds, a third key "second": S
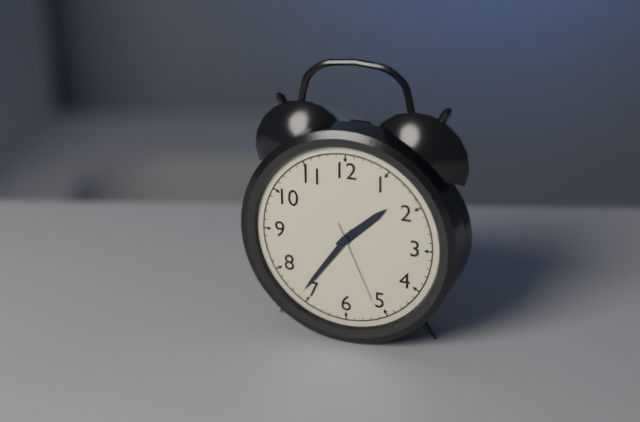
{"hour": 1, "minute": 36, "second": 26}
